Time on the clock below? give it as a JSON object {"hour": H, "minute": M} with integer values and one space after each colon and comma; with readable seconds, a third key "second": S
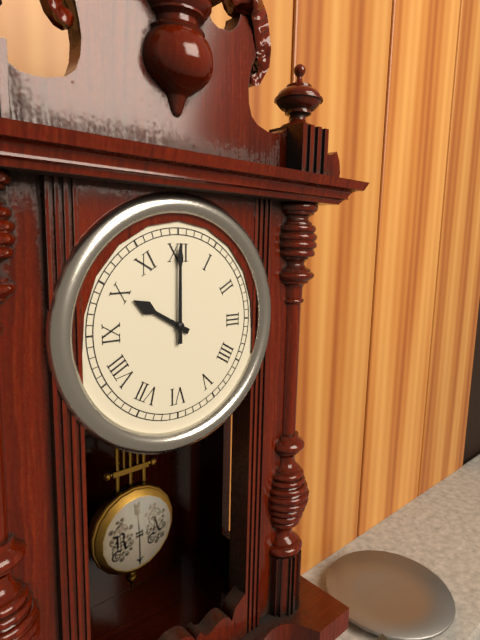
{"hour": 10, "minute": 0}
